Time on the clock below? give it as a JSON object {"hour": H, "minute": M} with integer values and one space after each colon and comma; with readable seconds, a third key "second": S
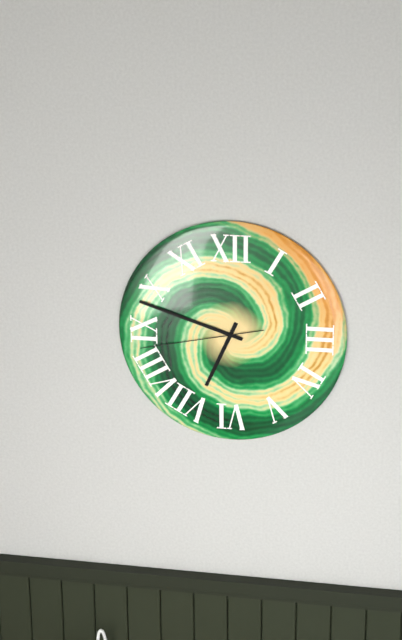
{"hour": 6, "minute": 48, "second": 43}
